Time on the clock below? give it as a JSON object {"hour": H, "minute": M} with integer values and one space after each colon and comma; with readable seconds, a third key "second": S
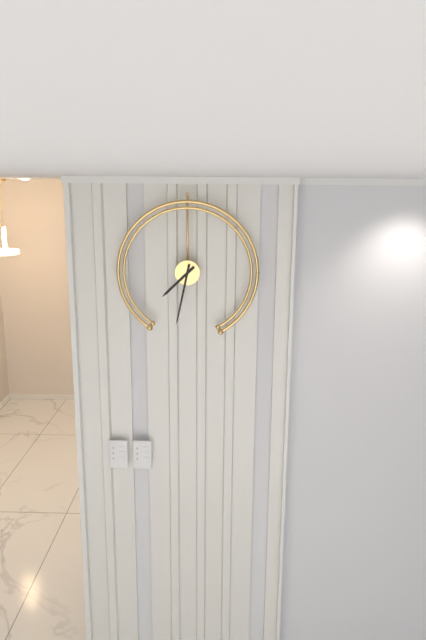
{"hour": 7, "minute": 32}
